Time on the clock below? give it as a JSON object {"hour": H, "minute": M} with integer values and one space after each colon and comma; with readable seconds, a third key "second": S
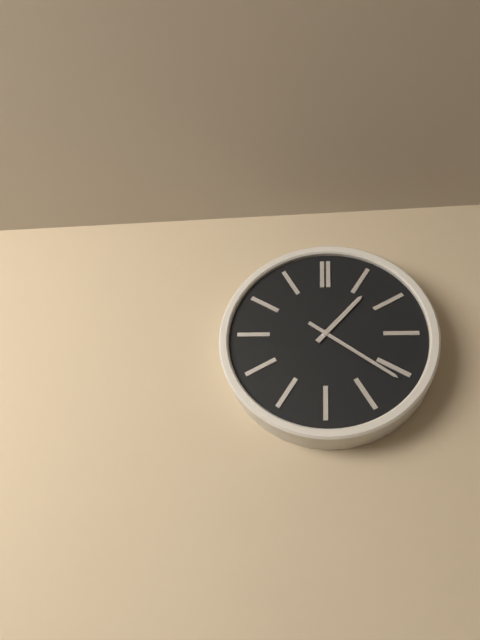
{"hour": 1, "minute": 21}
